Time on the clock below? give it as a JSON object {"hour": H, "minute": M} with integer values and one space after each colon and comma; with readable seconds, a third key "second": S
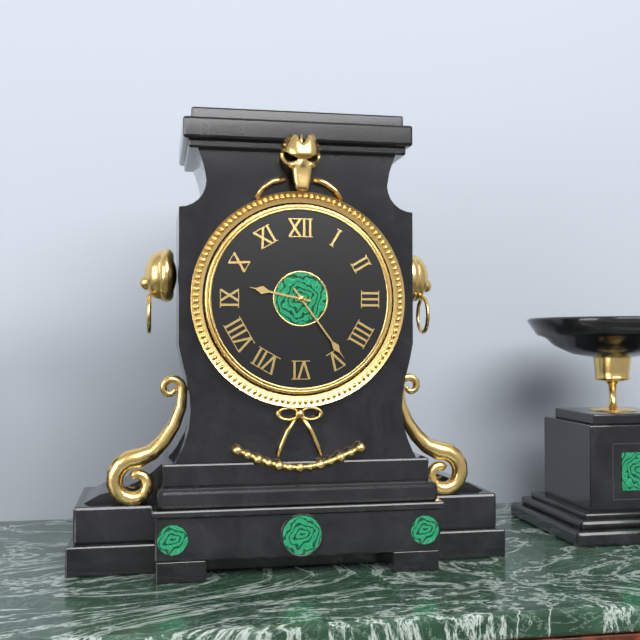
{"hour": 9, "minute": 24}
